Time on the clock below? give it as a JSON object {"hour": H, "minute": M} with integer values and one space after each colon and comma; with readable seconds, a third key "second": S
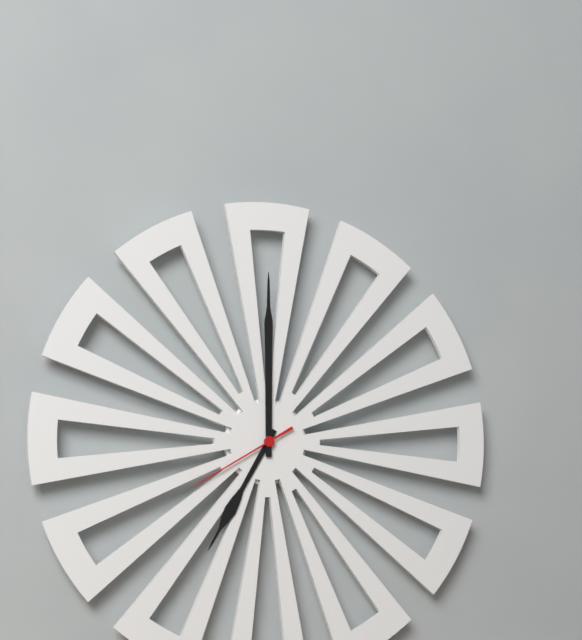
{"hour": 7, "minute": 0, "second": 40}
